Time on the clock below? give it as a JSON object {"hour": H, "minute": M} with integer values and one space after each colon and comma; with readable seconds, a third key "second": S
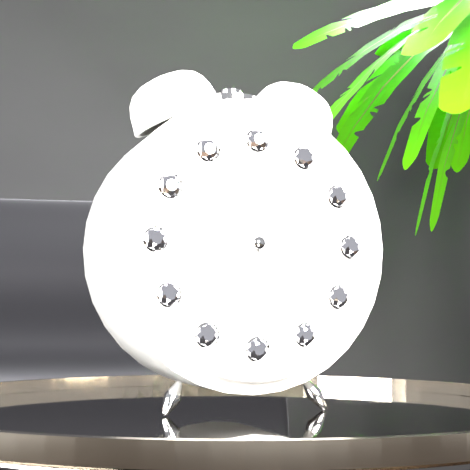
{"hour": 1, "minute": 54, "second": 58}
